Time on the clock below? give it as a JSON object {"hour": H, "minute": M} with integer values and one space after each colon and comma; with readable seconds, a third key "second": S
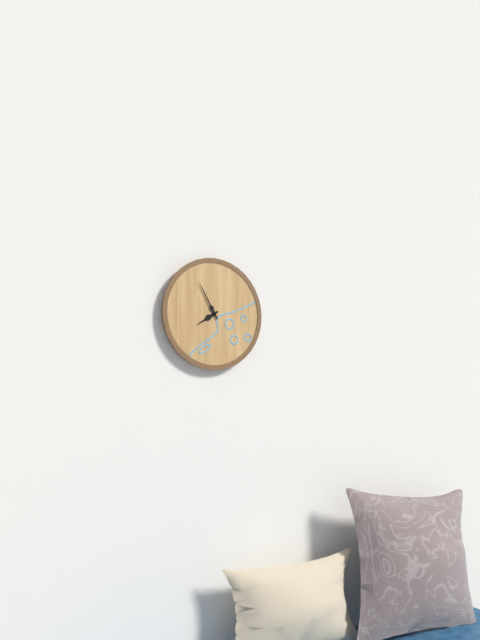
{"hour": 7, "minute": 55}
